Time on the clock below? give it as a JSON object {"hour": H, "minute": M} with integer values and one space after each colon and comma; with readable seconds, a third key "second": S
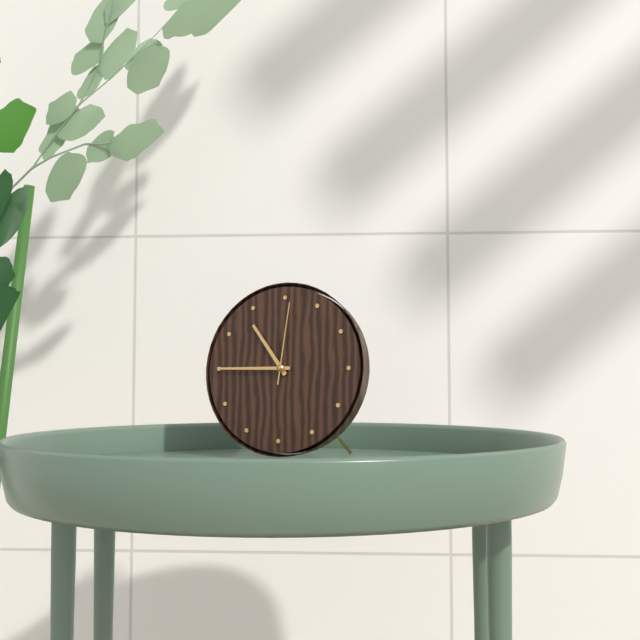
{"hour": 10, "minute": 45, "second": 1}
